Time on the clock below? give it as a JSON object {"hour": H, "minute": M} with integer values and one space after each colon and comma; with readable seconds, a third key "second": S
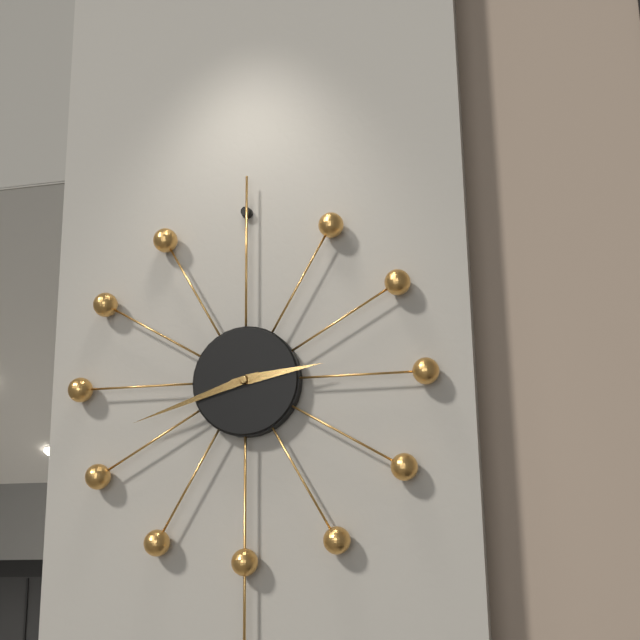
{"hour": 2, "minute": 42}
